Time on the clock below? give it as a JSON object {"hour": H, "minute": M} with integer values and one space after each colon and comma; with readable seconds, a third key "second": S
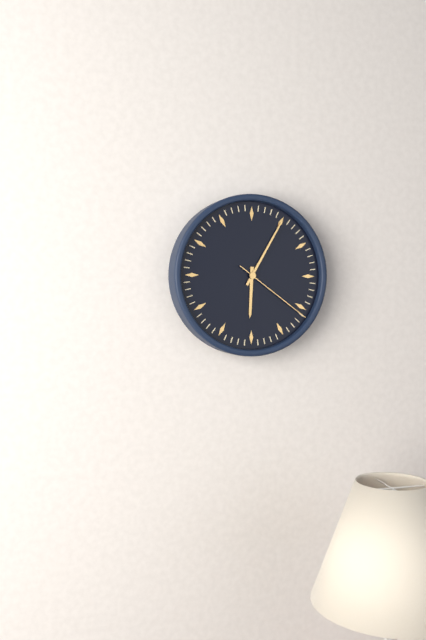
{"hour": 6, "minute": 5, "second": 21}
